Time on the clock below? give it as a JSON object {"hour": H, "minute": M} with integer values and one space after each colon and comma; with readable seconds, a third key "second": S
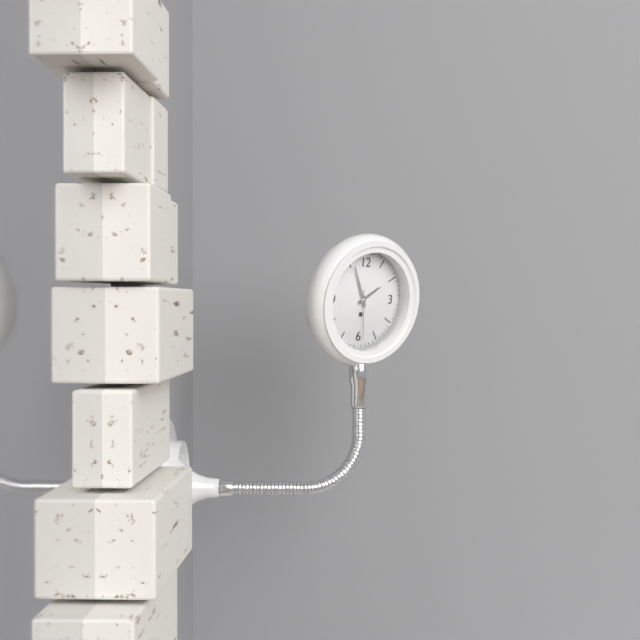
{"hour": 1, "minute": 56, "second": 29}
